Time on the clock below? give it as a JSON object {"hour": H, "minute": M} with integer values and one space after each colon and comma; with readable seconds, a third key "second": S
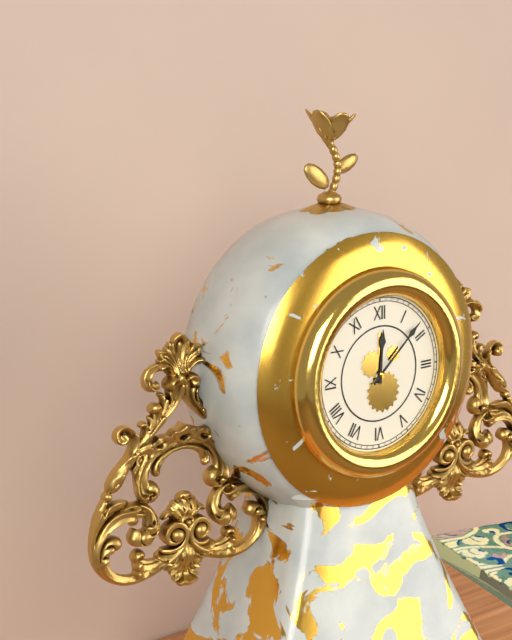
{"hour": 12, "minute": 8}
